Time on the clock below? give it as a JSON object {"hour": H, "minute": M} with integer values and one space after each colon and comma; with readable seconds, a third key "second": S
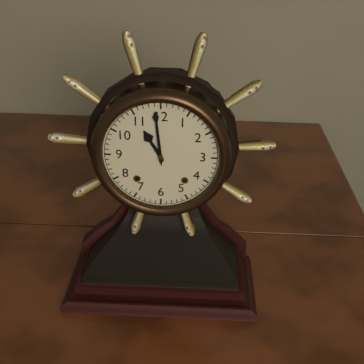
{"hour": 10, "minute": 59}
